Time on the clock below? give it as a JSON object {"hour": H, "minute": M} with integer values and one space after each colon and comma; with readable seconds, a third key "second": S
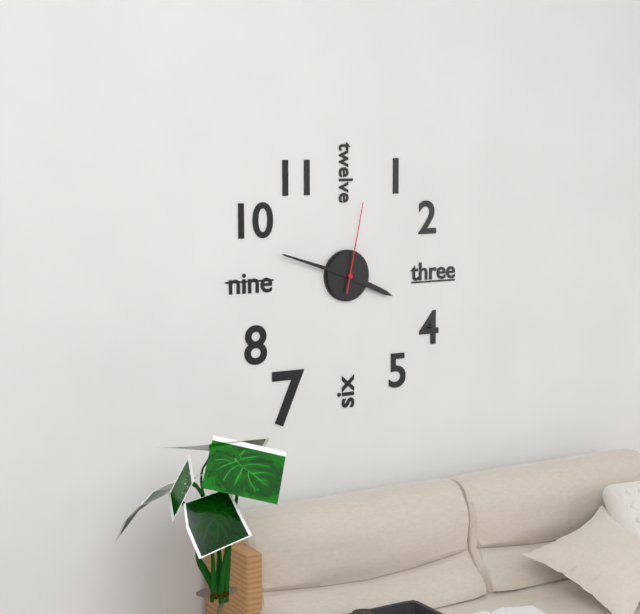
{"hour": 3, "minute": 48, "second": 2}
